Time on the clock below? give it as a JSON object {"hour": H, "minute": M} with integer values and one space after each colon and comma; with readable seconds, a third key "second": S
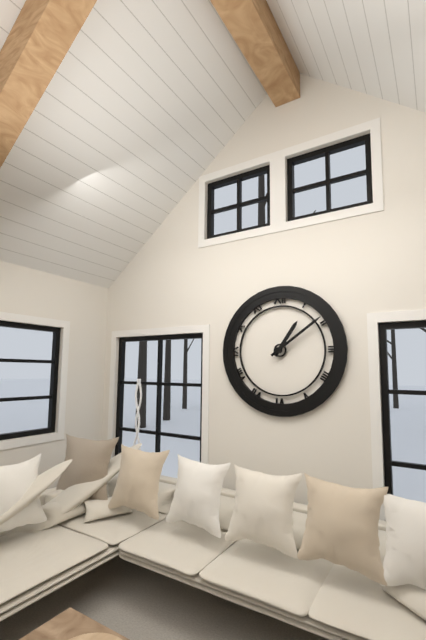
{"hour": 1, "minute": 9}
